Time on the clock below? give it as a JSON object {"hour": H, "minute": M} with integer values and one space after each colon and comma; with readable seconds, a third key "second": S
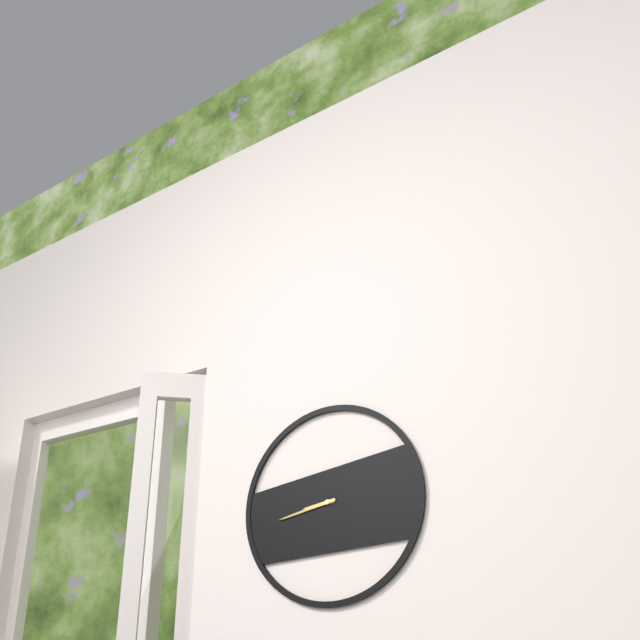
{"hour": 8, "minute": 43}
